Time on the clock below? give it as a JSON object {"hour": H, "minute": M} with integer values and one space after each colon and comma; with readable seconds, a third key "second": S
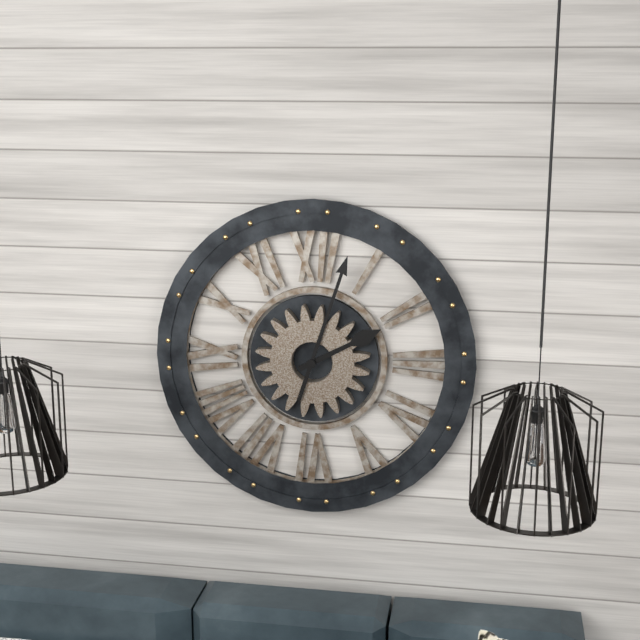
{"hour": 2, "minute": 3}
